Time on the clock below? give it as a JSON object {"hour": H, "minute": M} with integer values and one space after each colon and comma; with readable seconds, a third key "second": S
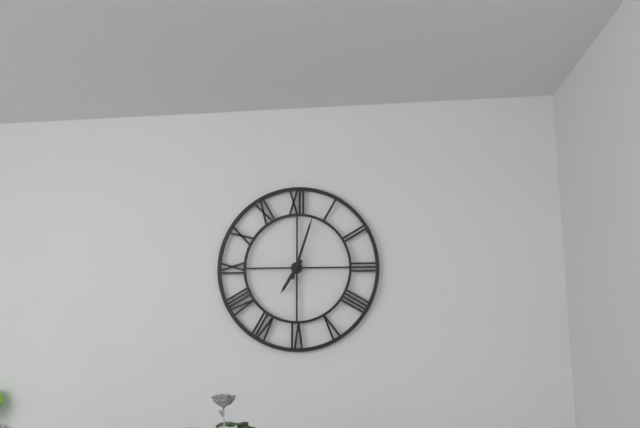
{"hour": 7, "minute": 3}
